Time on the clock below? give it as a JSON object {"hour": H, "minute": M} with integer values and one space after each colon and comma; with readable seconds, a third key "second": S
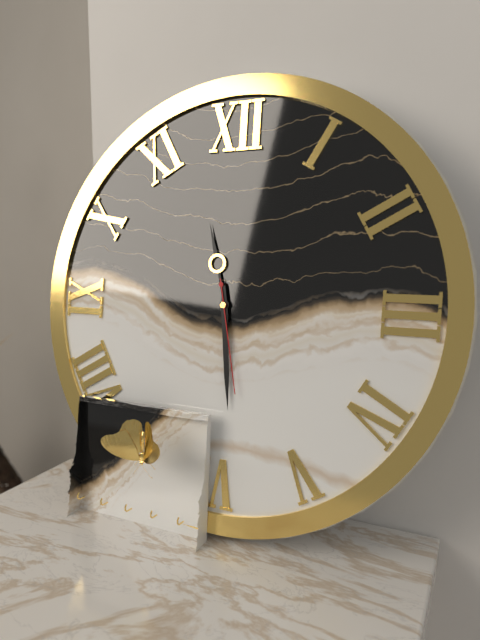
{"hour": 11, "minute": 29, "second": 28}
